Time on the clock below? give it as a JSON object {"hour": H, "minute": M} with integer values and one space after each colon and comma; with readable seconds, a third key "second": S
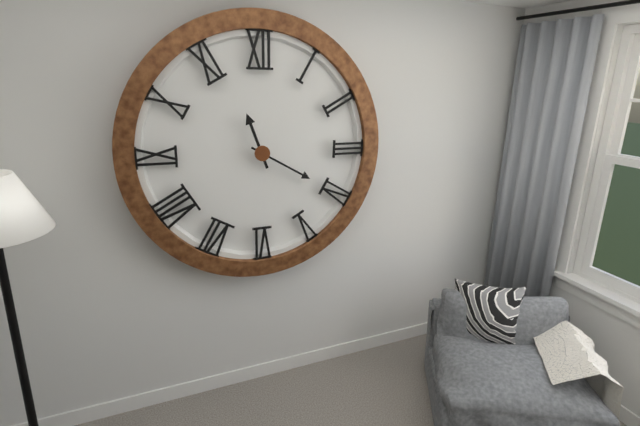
{"hour": 11, "minute": 20}
